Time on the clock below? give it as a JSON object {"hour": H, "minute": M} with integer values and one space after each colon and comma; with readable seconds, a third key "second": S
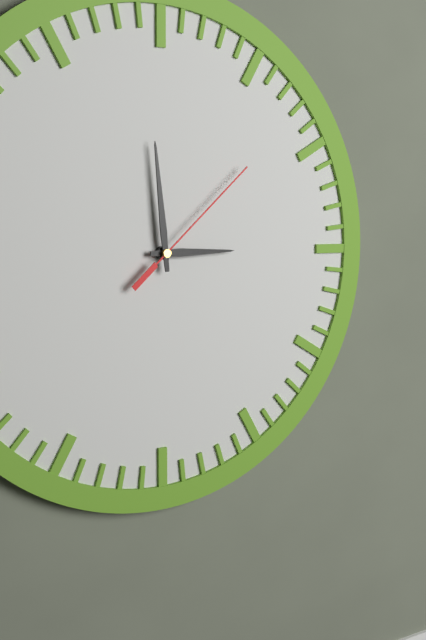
{"hour": 2, "minute": 59, "second": 8}
